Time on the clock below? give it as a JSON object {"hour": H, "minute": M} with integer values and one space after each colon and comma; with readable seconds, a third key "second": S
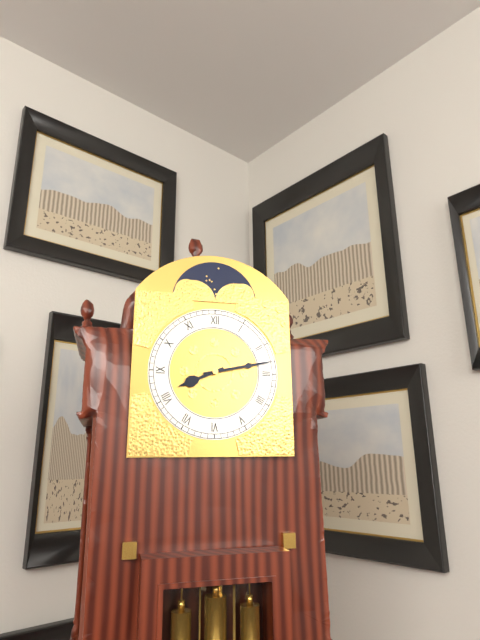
{"hour": 8, "minute": 13}
